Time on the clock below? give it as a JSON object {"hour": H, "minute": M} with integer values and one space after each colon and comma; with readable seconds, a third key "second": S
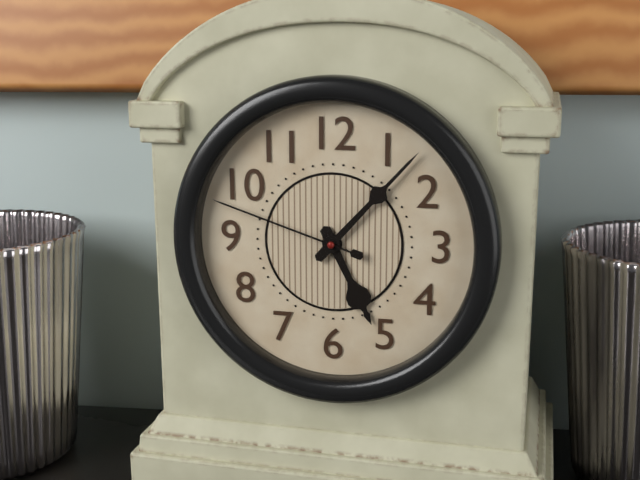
{"hour": 5, "minute": 7, "second": 48}
